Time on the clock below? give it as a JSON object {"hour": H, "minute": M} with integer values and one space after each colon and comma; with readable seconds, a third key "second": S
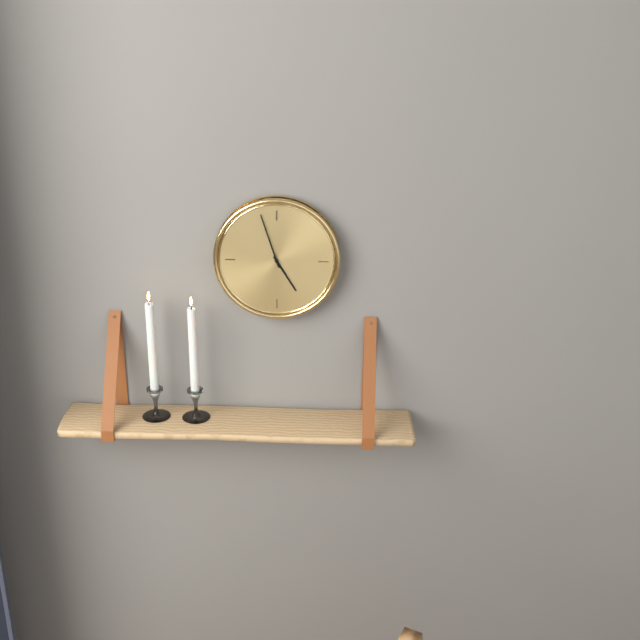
{"hour": 4, "minute": 57}
